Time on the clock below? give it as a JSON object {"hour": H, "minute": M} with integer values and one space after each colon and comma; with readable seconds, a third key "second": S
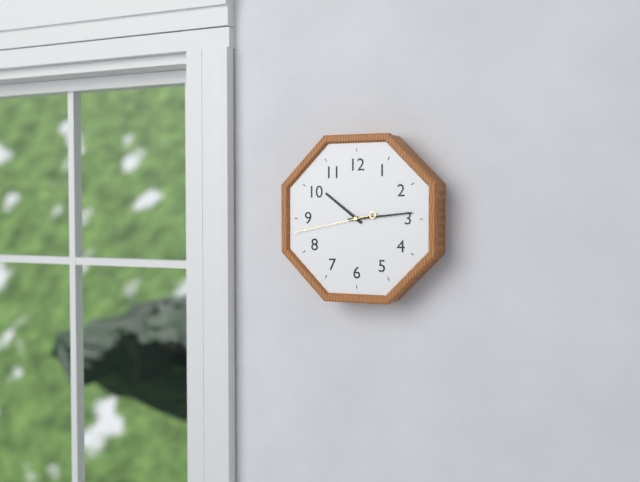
{"hour": 10, "minute": 14, "second": 43}
